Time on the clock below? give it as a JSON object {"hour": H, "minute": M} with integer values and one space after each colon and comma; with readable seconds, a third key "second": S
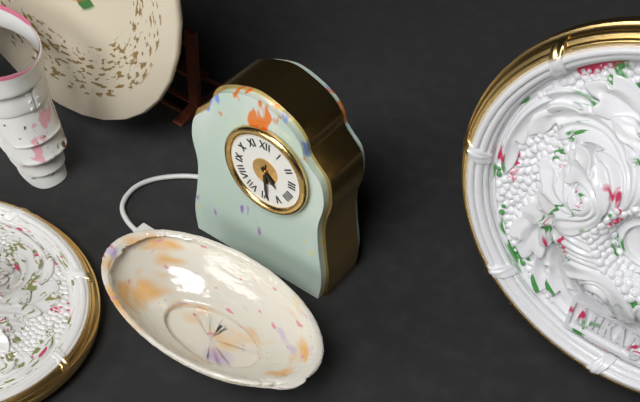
{"hour": 4, "minute": 29}
